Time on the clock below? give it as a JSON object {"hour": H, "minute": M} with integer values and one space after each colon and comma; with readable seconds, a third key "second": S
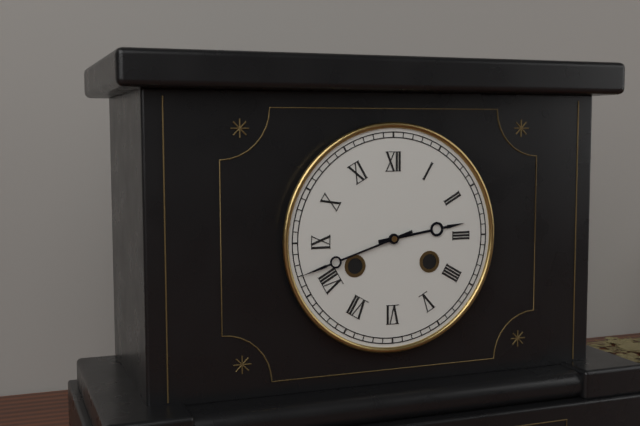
{"hour": 2, "minute": 42}
